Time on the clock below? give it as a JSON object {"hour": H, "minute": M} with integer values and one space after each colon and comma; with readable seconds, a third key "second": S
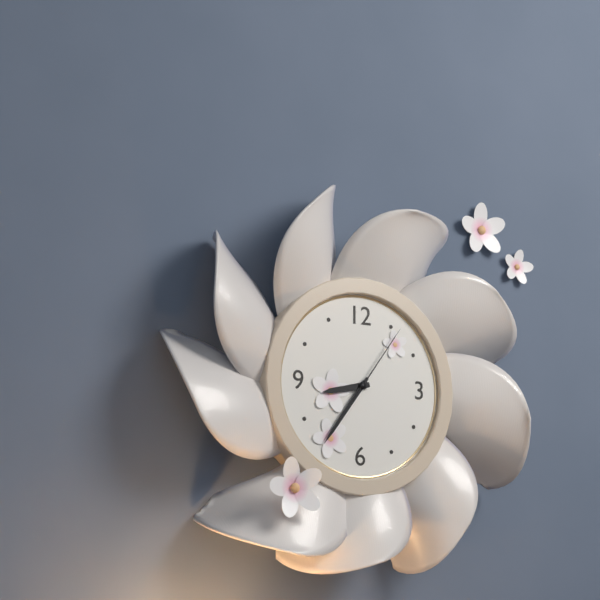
{"hour": 8, "minute": 36, "second": 6}
